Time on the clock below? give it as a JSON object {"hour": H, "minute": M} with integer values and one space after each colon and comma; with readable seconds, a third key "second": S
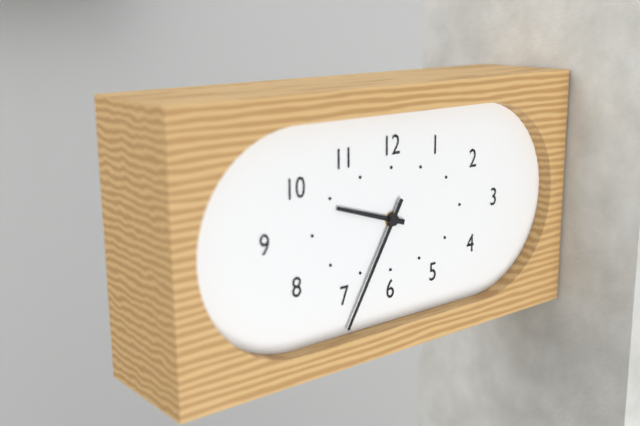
{"hour": 9, "minute": 35}
